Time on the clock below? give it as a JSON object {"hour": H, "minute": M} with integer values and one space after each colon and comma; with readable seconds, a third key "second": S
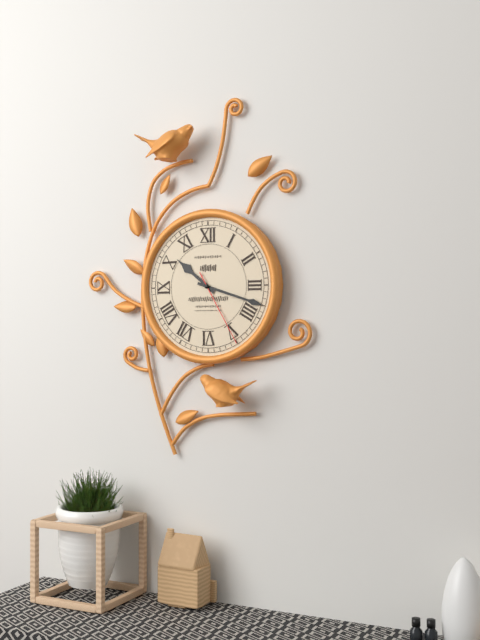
{"hour": 10, "minute": 18, "second": 25}
